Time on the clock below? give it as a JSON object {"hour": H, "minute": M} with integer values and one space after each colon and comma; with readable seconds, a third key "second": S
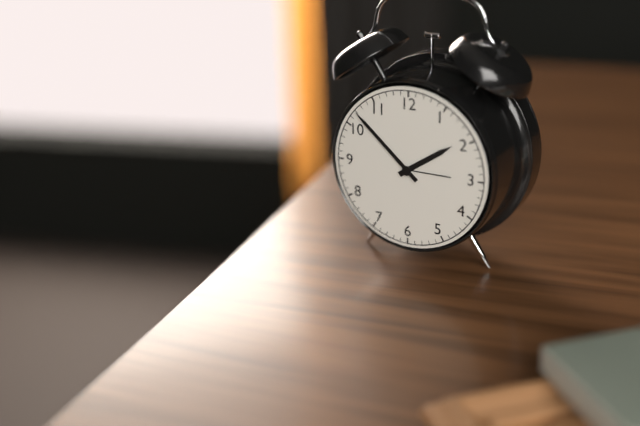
{"hour": 1, "minute": 52}
